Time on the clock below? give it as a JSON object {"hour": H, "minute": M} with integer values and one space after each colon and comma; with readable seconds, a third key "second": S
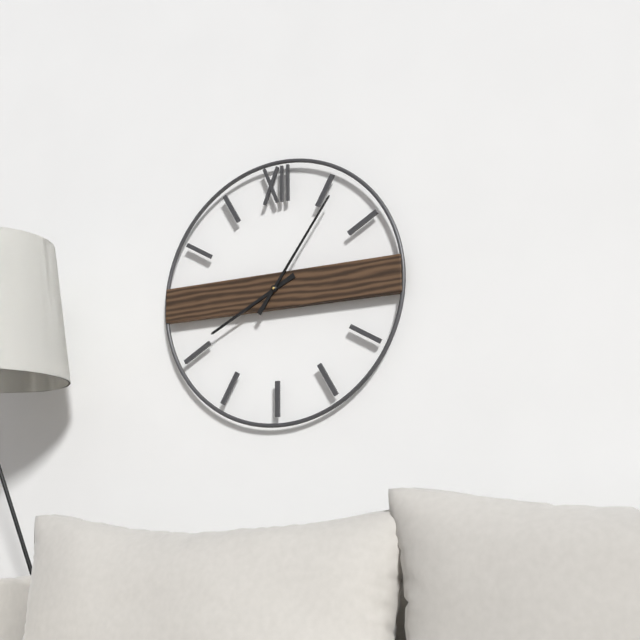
{"hour": 8, "minute": 6}
